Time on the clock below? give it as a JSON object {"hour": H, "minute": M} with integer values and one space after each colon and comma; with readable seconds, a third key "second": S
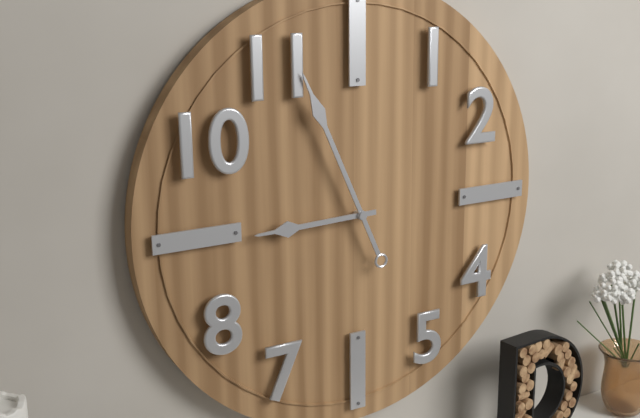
{"hour": 8, "minute": 56}
